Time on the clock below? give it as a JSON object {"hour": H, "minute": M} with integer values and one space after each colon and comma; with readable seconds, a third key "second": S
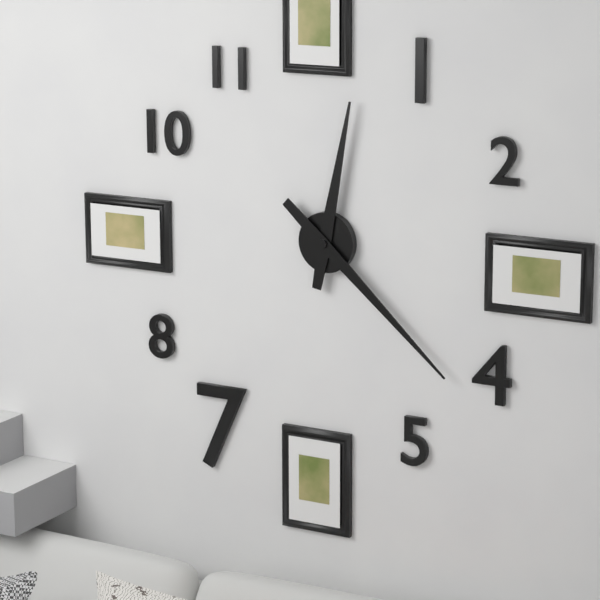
{"hour": 12, "minute": 22}
